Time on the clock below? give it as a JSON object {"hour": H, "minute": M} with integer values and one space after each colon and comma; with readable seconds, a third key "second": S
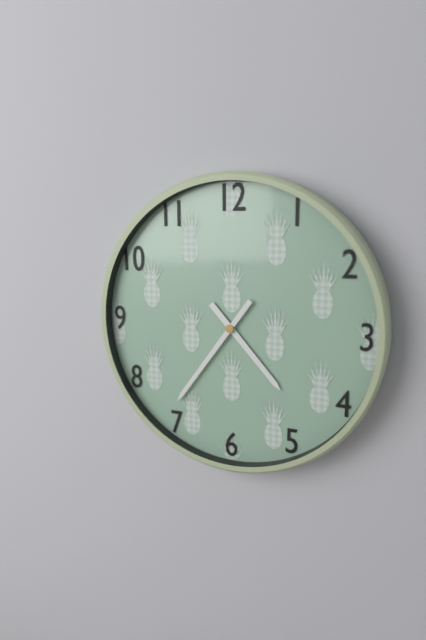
{"hour": 4, "minute": 36}
